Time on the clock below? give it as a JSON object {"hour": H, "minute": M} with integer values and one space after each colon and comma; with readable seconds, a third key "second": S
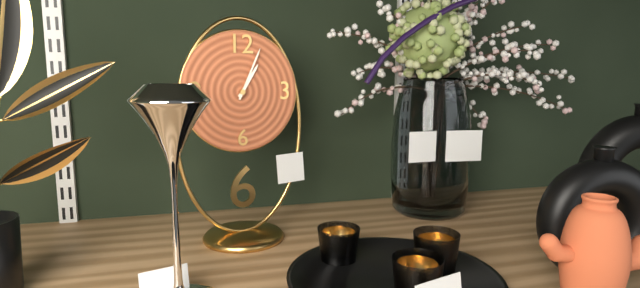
{"hour": 1, "minute": 4}
